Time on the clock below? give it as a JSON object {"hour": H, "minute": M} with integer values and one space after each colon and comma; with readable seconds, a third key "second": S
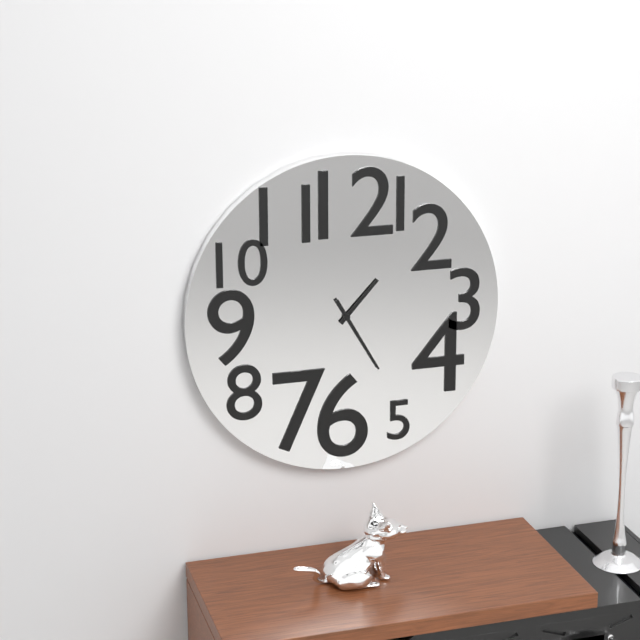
{"hour": 1, "minute": 25}
